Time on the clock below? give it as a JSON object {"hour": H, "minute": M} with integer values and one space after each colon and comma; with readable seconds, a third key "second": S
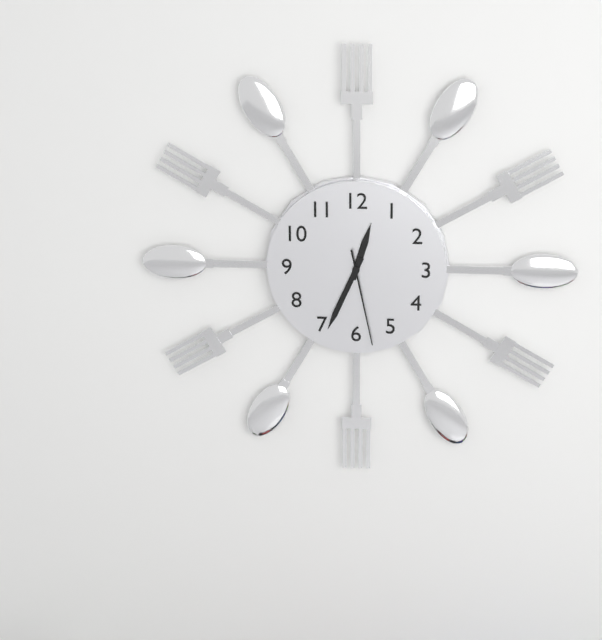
{"hour": 12, "minute": 34, "second": 28}
